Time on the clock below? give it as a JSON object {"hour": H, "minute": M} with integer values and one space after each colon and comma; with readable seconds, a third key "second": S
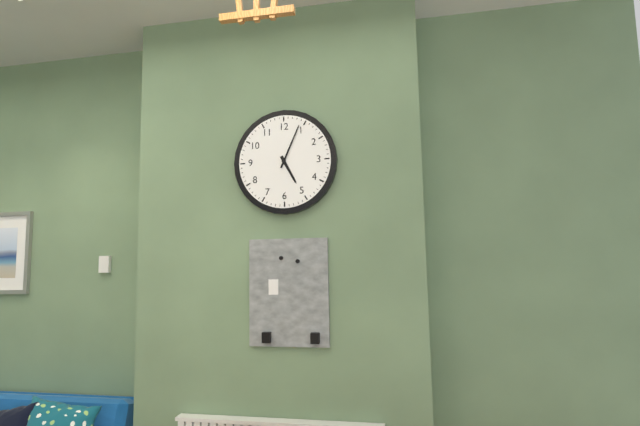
{"hour": 5, "minute": 4}
